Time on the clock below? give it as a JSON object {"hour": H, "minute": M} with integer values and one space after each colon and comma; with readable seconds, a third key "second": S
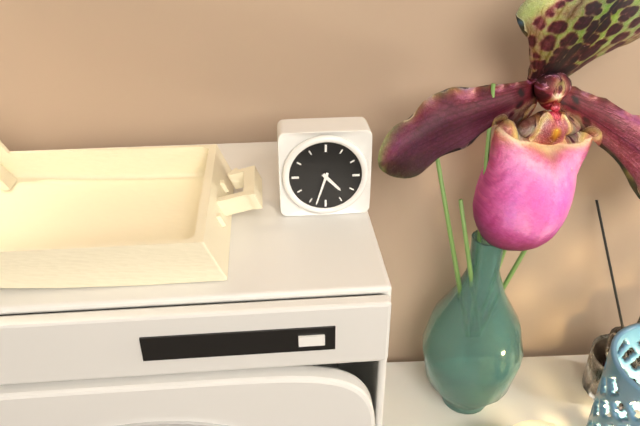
{"hour": 4, "minute": 33}
